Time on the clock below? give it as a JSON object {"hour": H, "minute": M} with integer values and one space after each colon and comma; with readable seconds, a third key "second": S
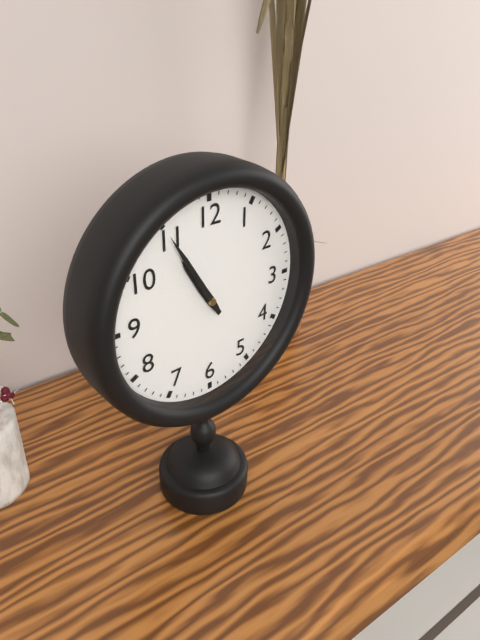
{"hour": 10, "minute": 55}
